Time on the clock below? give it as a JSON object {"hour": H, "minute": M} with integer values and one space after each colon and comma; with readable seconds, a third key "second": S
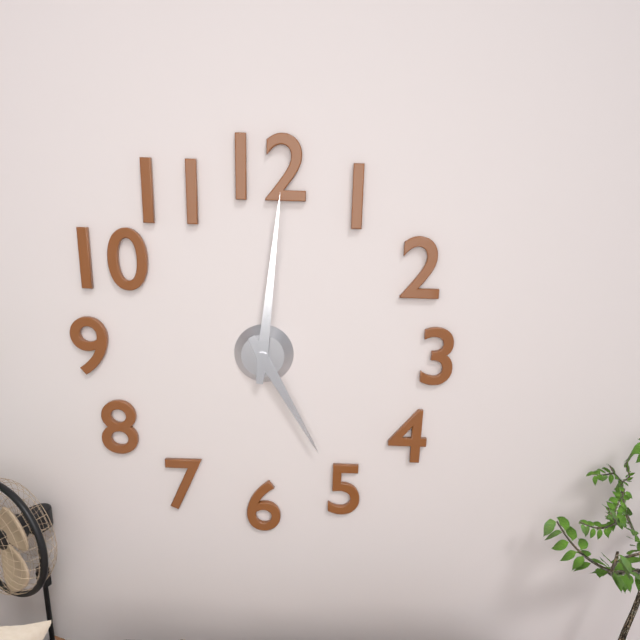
{"hour": 5, "minute": 1}
